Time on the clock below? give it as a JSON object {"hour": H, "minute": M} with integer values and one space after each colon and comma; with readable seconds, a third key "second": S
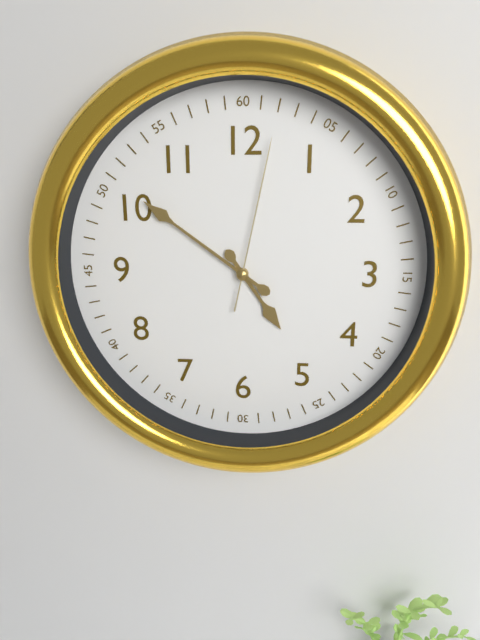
{"hour": 4, "minute": 51, "second": 2}
